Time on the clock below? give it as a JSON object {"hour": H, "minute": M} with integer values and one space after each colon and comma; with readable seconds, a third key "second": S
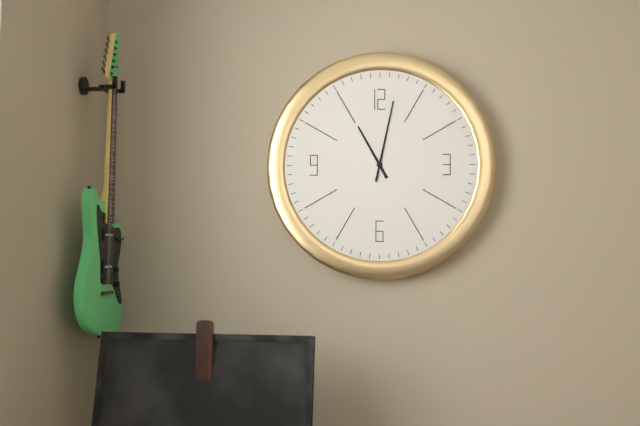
{"hour": 11, "minute": 2}
